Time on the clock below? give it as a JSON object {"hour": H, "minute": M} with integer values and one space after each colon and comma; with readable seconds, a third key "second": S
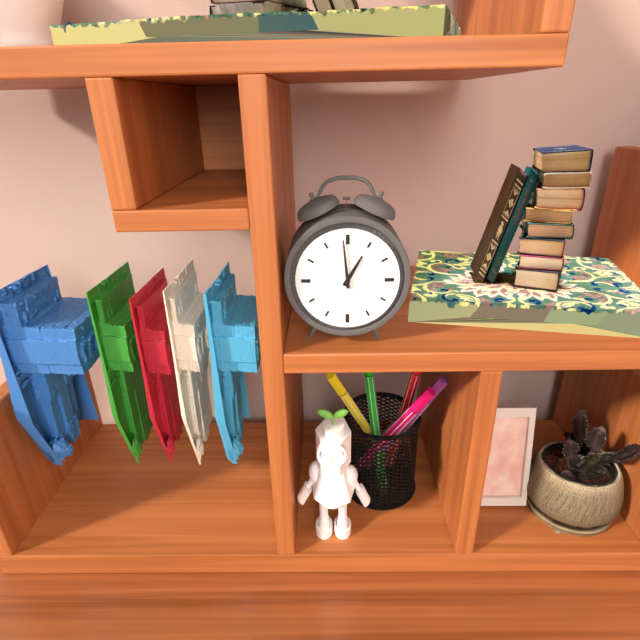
{"hour": 12, "minute": 59}
